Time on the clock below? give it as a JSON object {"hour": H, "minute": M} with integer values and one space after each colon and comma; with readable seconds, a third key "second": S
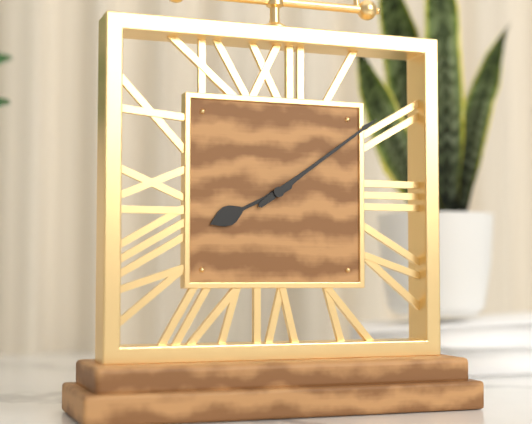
{"hour": 8, "minute": 9}
